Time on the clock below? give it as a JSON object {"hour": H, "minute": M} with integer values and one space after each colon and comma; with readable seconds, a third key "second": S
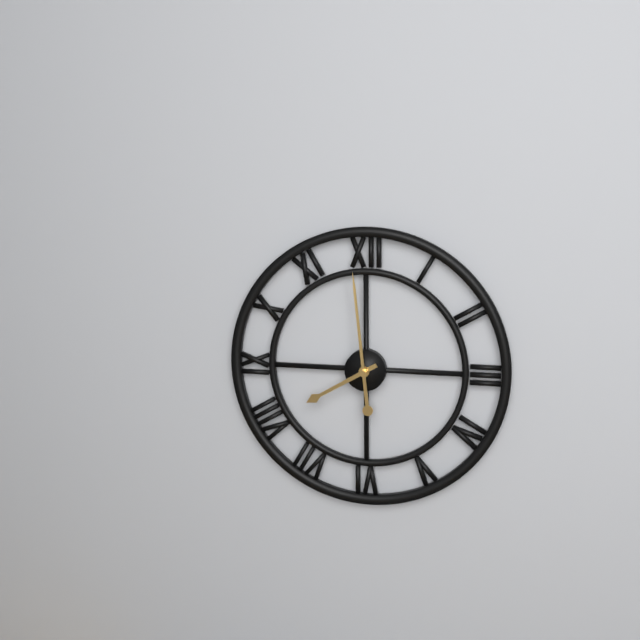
{"hour": 7, "minute": 59}
